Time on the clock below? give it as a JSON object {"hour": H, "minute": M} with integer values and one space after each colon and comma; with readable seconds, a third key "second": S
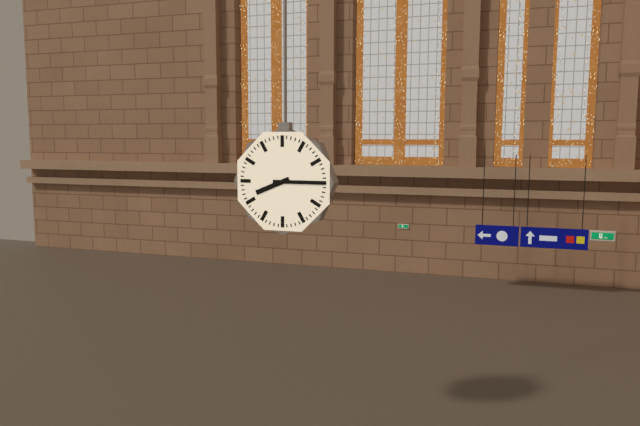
{"hour": 8, "minute": 15}
